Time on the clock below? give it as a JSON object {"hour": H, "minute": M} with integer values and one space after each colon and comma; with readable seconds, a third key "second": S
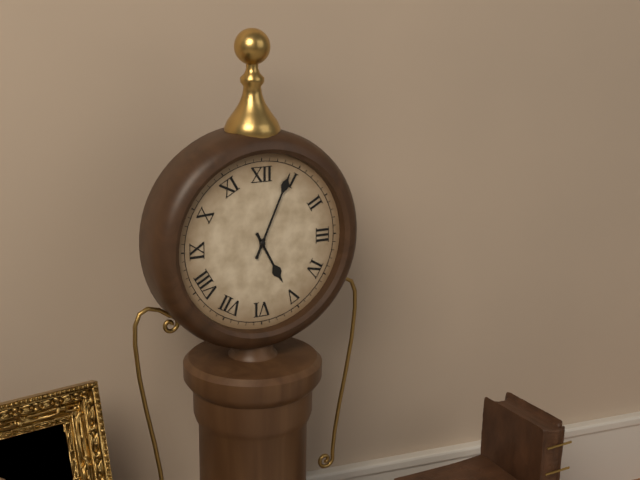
{"hour": 5, "minute": 4}
